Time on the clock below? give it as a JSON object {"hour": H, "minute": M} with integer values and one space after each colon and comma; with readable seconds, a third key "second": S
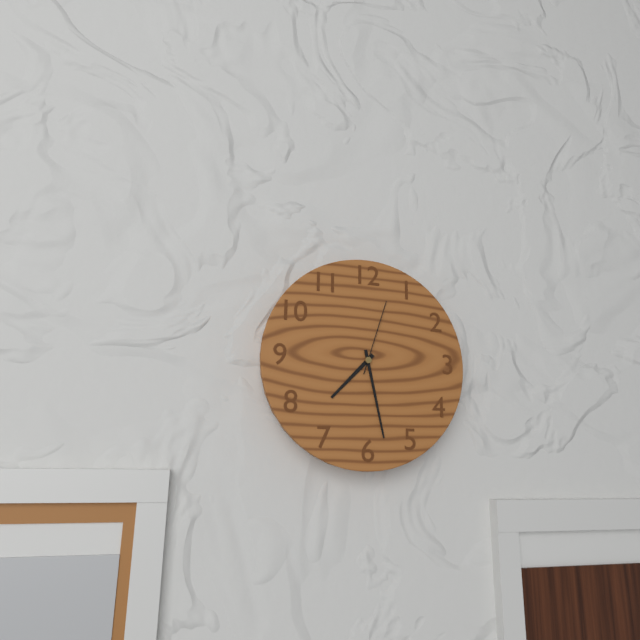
{"hour": 7, "minute": 28, "second": 3}
